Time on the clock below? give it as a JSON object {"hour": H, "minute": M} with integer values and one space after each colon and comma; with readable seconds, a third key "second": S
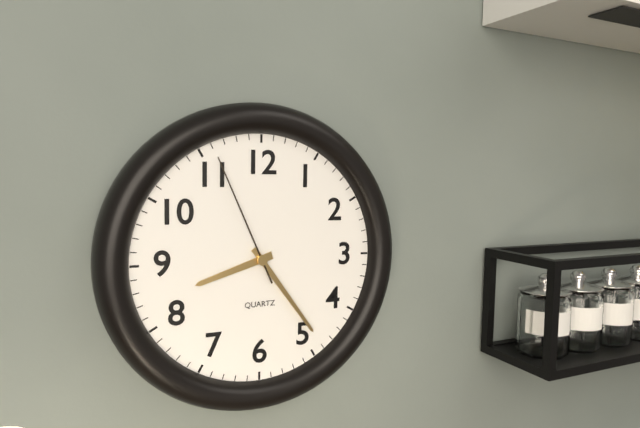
{"hour": 8, "minute": 24, "second": 56}
